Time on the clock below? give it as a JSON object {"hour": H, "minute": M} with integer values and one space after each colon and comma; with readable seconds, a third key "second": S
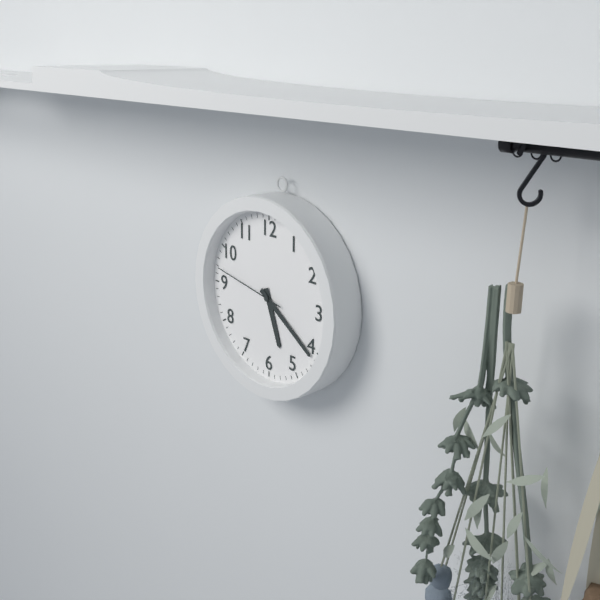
{"hour": 5, "minute": 21, "second": 47}
